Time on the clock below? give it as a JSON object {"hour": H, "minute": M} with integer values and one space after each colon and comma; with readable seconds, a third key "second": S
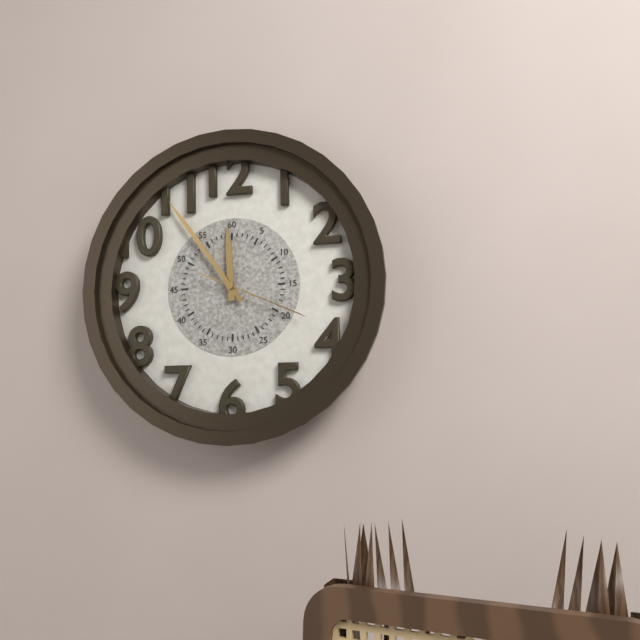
{"hour": 11, "minute": 54, "second": 19}
